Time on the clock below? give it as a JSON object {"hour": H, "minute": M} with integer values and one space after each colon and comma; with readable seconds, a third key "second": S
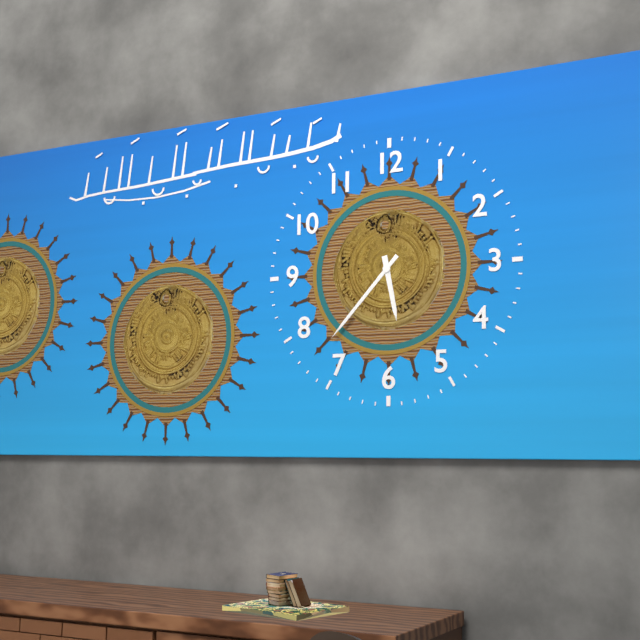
{"hour": 5, "minute": 37}
